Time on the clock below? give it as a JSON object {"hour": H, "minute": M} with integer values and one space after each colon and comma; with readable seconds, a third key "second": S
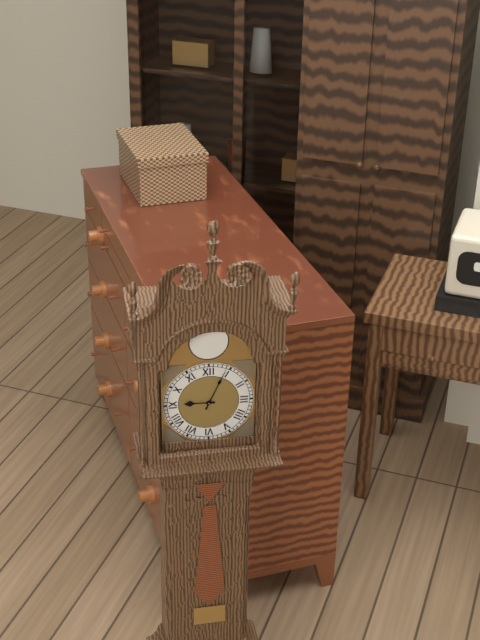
{"hour": 9, "minute": 4}
